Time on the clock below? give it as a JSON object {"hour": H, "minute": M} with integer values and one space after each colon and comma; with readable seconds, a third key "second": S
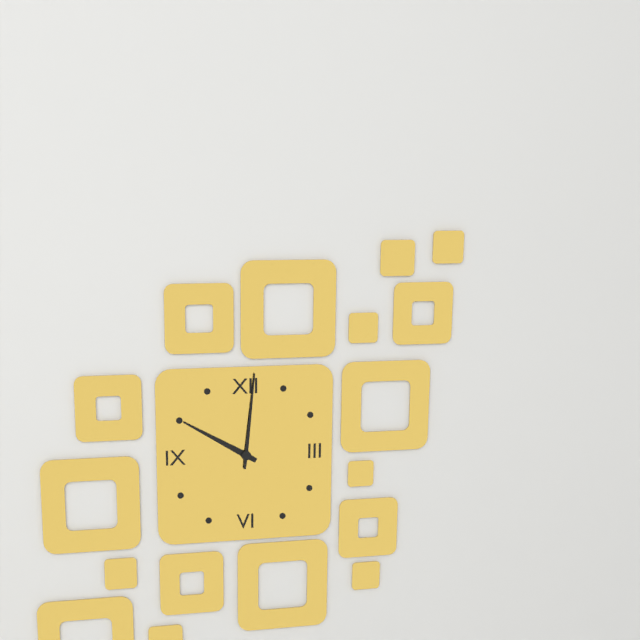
{"hour": 10, "minute": 1}
